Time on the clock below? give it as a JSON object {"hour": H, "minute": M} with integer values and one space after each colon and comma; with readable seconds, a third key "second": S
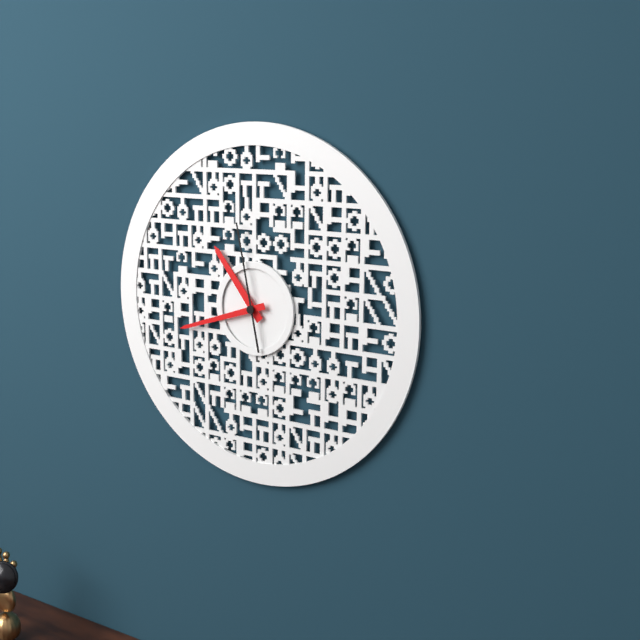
{"hour": 10, "minute": 42, "second": 58}
